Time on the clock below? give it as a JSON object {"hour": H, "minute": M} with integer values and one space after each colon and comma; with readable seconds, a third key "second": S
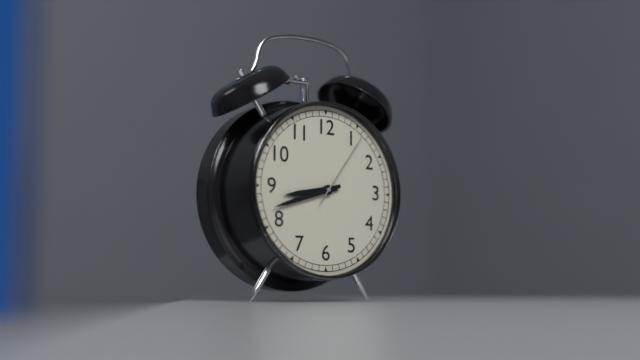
{"hour": 8, "minute": 42, "second": 6}
